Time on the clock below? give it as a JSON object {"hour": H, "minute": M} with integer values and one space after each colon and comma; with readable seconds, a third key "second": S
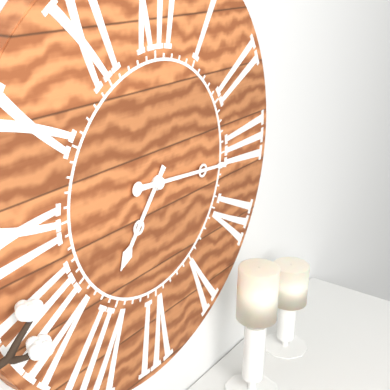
{"hour": 7, "minute": 16}
